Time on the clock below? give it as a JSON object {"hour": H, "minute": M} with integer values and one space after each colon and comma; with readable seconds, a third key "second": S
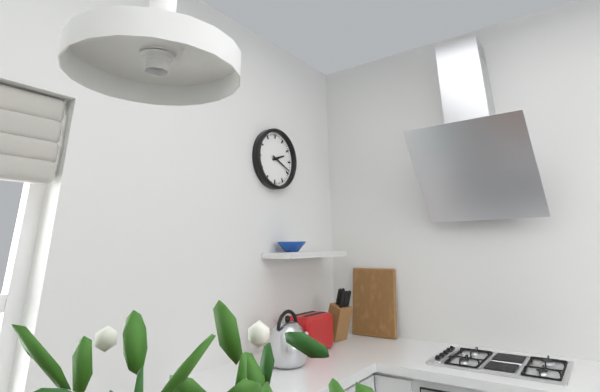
{"hour": 2, "minute": 19}
